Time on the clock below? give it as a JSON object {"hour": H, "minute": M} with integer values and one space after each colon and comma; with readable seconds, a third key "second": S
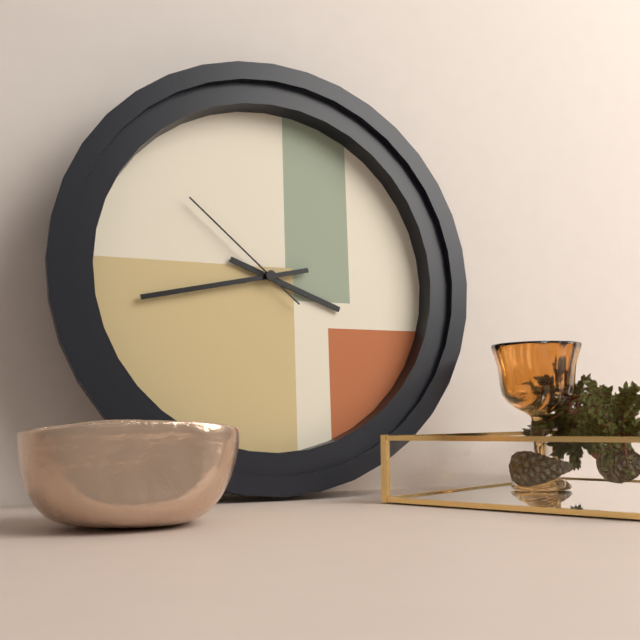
{"hour": 3, "minute": 43, "second": 52}
